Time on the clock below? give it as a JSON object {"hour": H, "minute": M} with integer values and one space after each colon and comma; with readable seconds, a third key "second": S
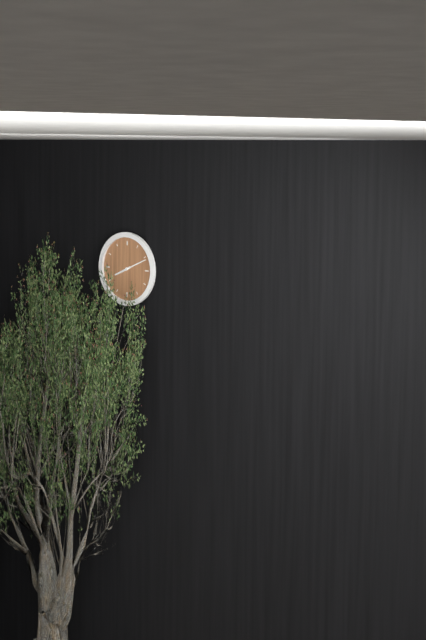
{"hour": 8, "minute": 11}
